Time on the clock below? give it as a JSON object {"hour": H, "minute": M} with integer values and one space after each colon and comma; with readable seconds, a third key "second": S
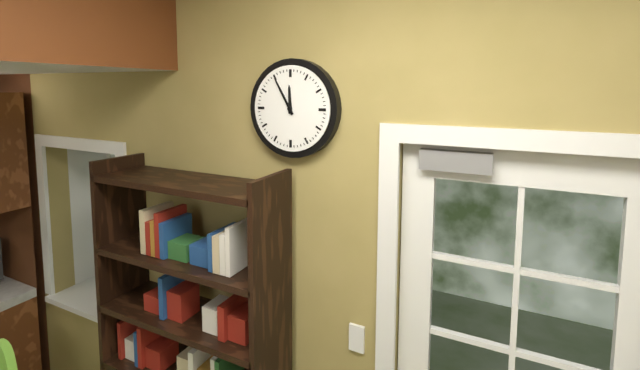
{"hour": 11, "minute": 55}
